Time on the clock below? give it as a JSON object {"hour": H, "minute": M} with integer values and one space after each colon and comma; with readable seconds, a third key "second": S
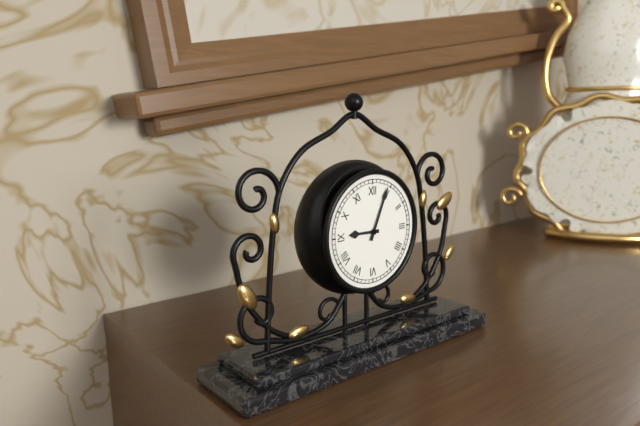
{"hour": 9, "minute": 4}
